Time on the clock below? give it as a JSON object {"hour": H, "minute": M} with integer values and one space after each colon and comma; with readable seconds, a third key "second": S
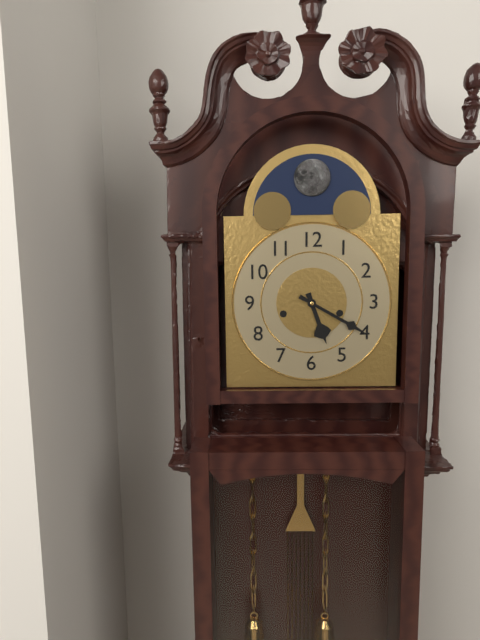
{"hour": 5, "minute": 20}
